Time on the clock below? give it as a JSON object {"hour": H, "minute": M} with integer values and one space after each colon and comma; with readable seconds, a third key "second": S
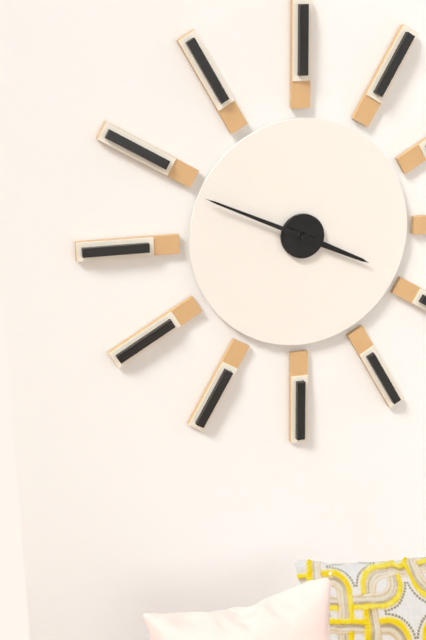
{"hour": 3, "minute": 49}
